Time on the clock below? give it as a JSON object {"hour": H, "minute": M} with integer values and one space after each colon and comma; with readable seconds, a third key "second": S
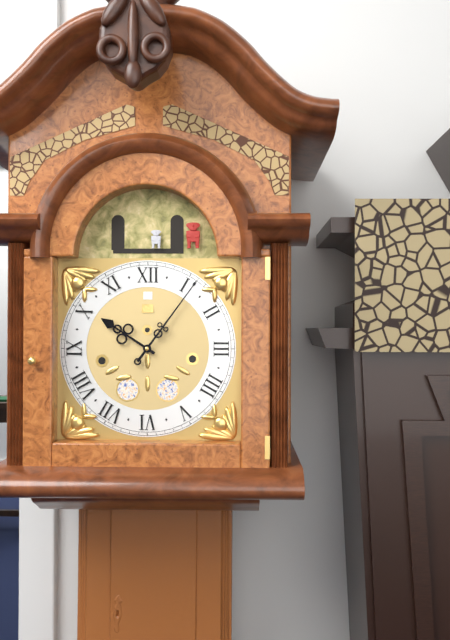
{"hour": 10, "minute": 6}
